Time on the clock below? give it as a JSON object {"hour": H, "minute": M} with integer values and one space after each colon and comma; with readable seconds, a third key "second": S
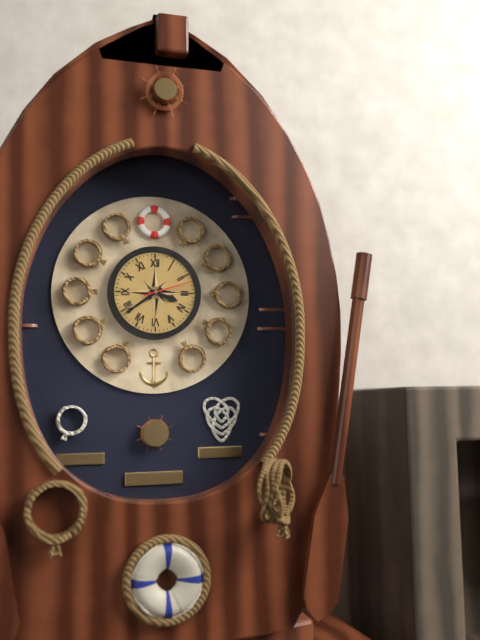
{"hour": 3, "minute": 39}
